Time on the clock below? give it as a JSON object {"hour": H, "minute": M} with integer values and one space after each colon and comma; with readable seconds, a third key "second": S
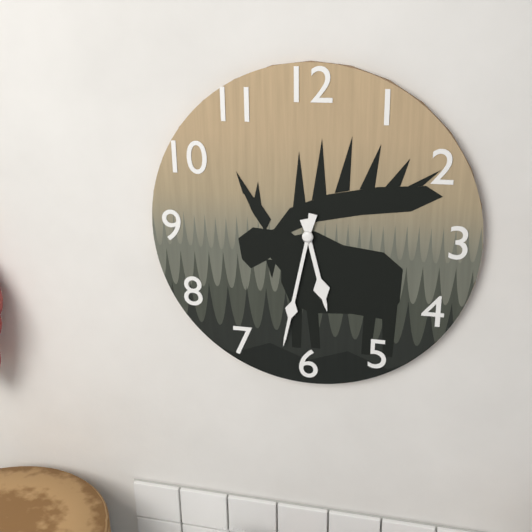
{"hour": 5, "minute": 32}
